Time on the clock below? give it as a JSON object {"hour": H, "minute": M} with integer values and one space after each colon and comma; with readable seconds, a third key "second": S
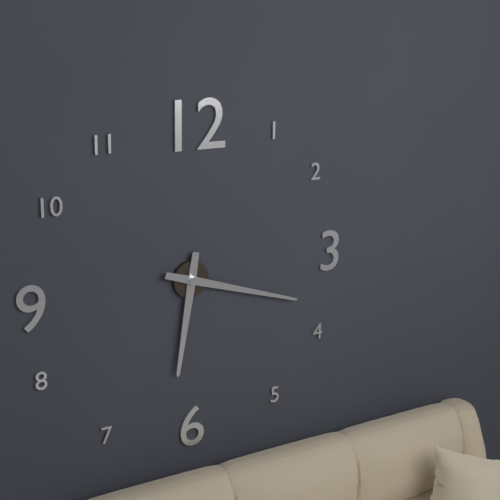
{"hour": 6, "minute": 18}
